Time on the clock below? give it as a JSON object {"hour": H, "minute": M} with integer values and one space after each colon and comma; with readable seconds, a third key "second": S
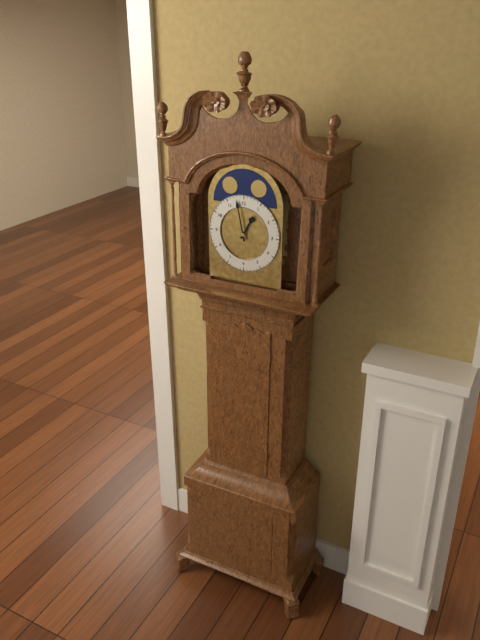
{"hour": 12, "minute": 58}
